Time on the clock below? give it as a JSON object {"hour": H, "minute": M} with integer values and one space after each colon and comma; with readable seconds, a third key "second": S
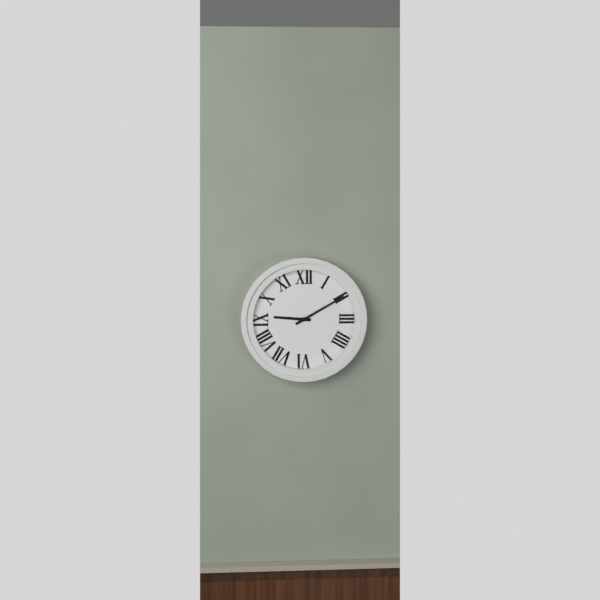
{"hour": 9, "minute": 10}
